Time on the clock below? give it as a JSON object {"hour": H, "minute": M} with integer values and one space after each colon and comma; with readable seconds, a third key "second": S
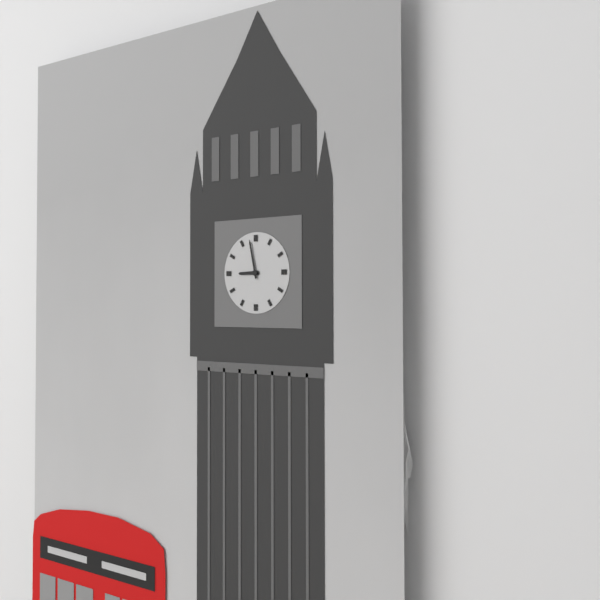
{"hour": 8, "minute": 58}
